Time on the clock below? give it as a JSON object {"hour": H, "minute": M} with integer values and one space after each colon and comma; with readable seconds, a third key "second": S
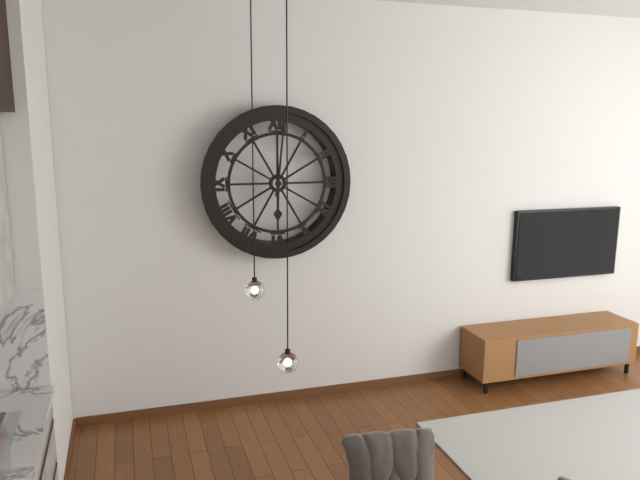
{"hour": 6, "minute": 1}
